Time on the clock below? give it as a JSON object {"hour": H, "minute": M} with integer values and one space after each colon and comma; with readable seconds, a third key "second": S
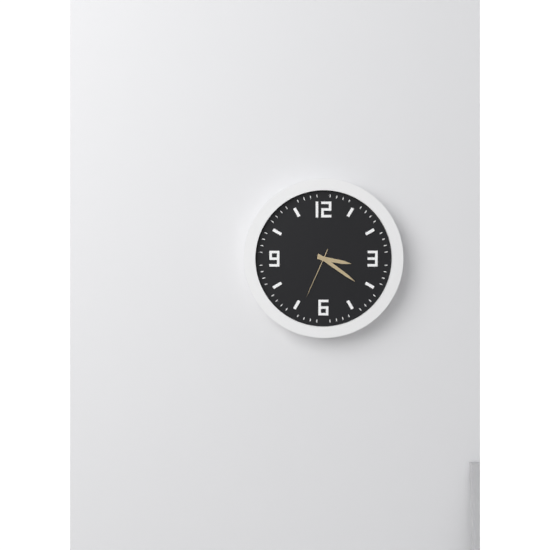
{"hour": 3, "minute": 21, "second": 34}
